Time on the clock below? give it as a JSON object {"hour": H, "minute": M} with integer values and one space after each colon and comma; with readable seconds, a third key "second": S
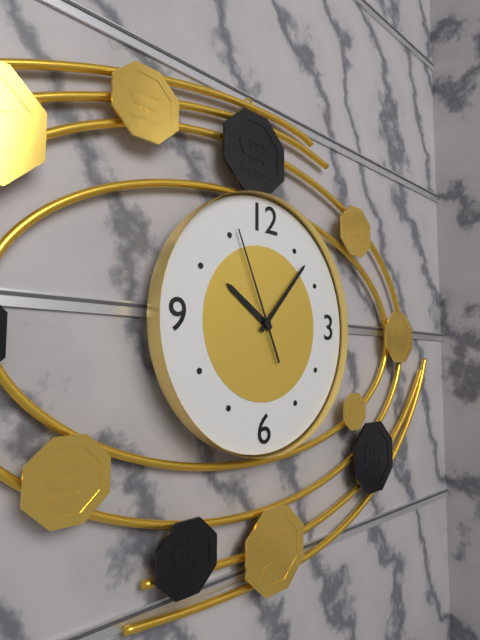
{"hour": 10, "minute": 7, "second": 56}
